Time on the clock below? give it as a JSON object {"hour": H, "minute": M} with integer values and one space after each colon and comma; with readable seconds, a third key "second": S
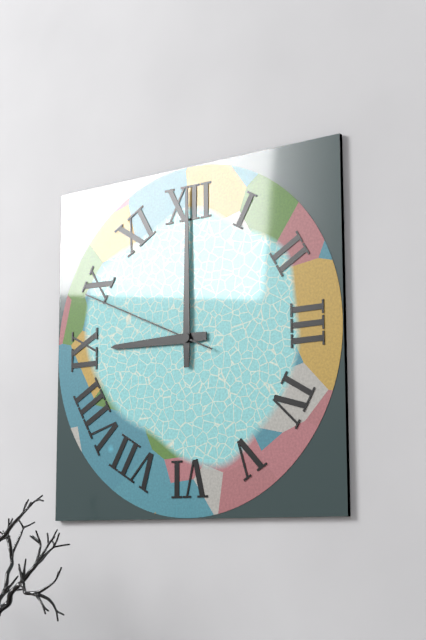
{"hour": 9, "minute": 0, "second": 49}
